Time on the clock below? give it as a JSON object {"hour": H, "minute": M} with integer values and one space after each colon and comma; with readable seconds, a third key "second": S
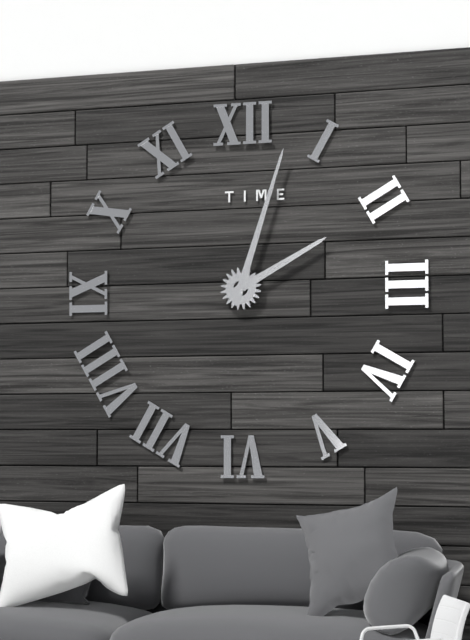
{"hour": 2, "minute": 3}
